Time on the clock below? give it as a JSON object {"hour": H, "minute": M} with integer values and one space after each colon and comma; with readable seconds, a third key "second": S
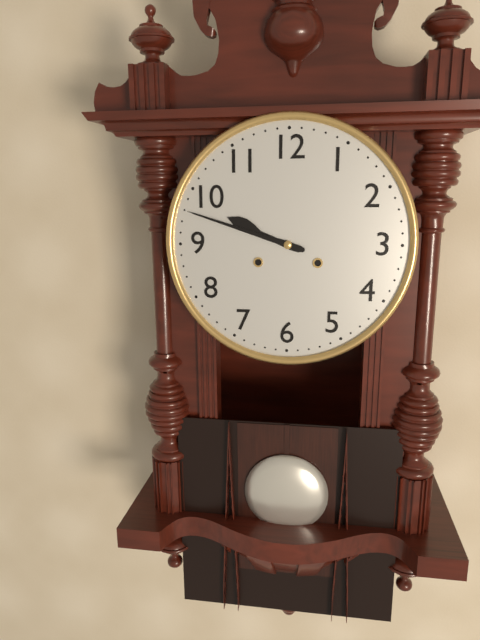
{"hour": 9, "minute": 48}
